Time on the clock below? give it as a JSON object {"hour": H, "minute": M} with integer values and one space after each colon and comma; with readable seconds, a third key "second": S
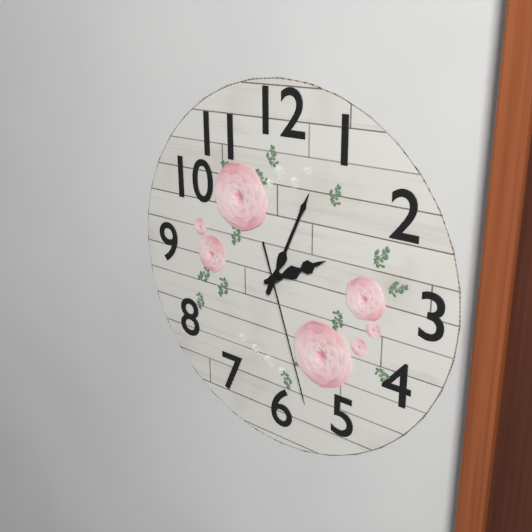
{"hour": 2, "minute": 4, "second": 27}
